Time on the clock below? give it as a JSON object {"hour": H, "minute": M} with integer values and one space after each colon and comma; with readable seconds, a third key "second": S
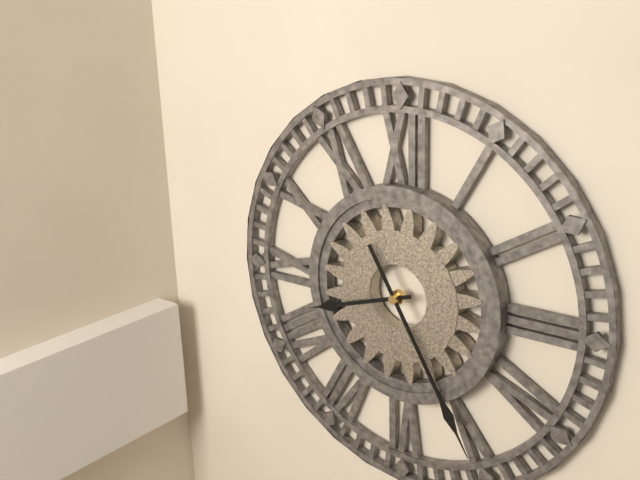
{"hour": 8, "minute": 25}
